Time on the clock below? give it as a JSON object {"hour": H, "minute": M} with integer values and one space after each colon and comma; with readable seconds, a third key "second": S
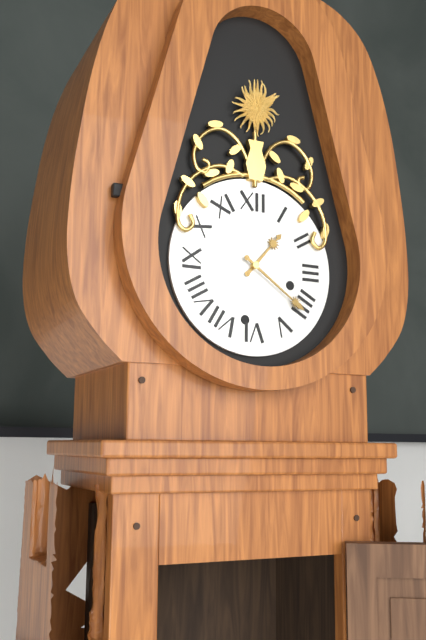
{"hour": 1, "minute": 21}
